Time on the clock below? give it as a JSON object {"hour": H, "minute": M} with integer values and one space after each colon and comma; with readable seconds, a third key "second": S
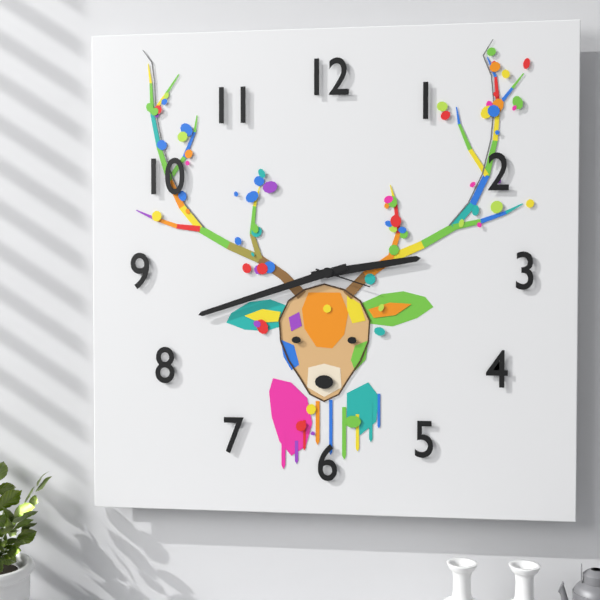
{"hour": 2, "minute": 42, "second": 18}
